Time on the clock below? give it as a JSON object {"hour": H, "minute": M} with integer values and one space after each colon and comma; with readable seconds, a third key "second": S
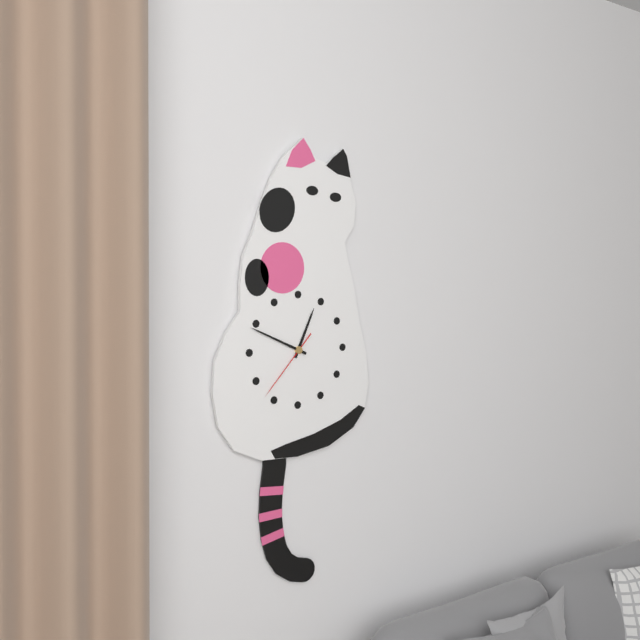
{"hour": 12, "minute": 49, "second": 37}
